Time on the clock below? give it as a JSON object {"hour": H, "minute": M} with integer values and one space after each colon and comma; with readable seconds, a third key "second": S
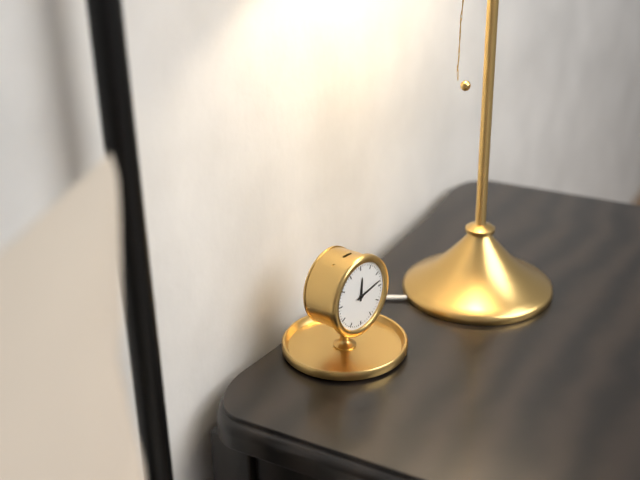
{"hour": 12, "minute": 13}
